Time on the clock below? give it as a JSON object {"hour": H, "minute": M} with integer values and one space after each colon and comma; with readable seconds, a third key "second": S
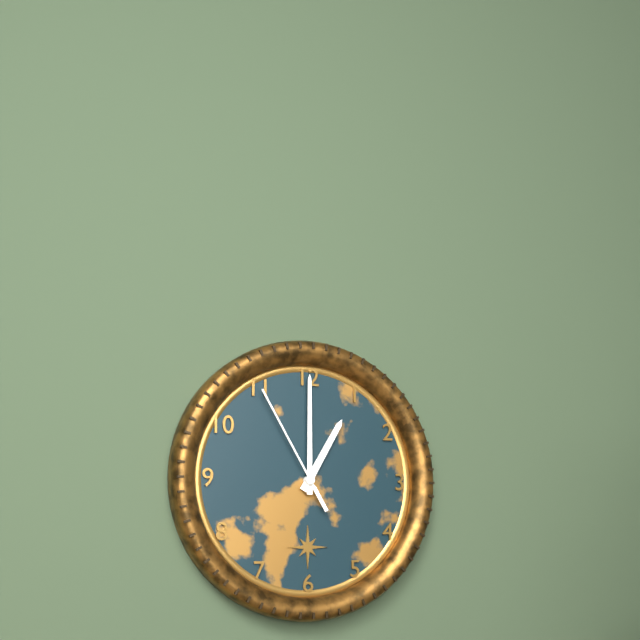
{"hour": 1, "minute": 0, "second": 55}
